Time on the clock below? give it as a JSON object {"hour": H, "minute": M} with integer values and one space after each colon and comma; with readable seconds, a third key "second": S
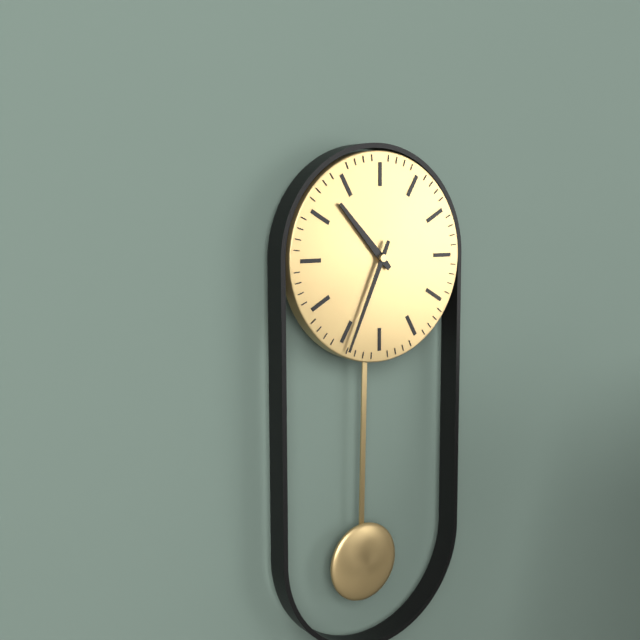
{"hour": 10, "minute": 34}
